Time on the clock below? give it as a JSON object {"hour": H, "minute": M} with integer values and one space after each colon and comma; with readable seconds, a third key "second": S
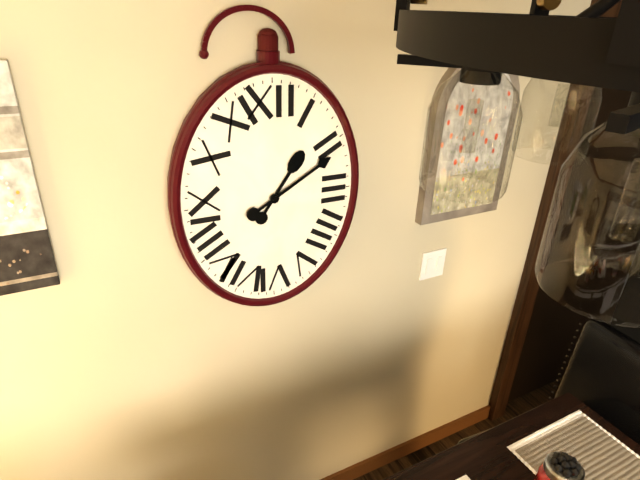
{"hour": 1, "minute": 10}
